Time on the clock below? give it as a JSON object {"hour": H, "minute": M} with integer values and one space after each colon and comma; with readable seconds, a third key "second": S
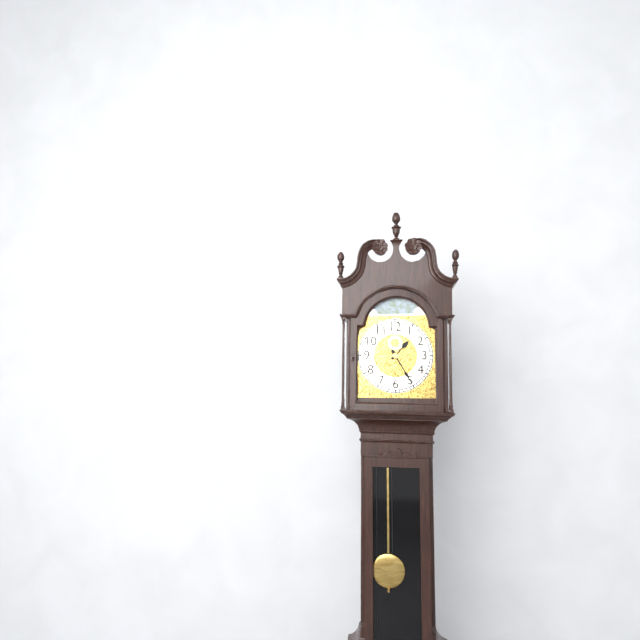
{"hour": 1, "minute": 25}
